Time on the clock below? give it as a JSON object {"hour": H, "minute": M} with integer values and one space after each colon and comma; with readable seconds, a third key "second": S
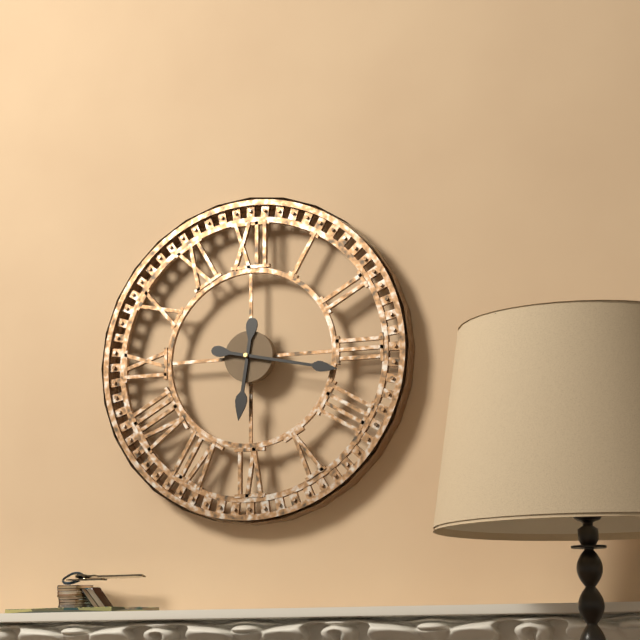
{"hour": 6, "minute": 17}
